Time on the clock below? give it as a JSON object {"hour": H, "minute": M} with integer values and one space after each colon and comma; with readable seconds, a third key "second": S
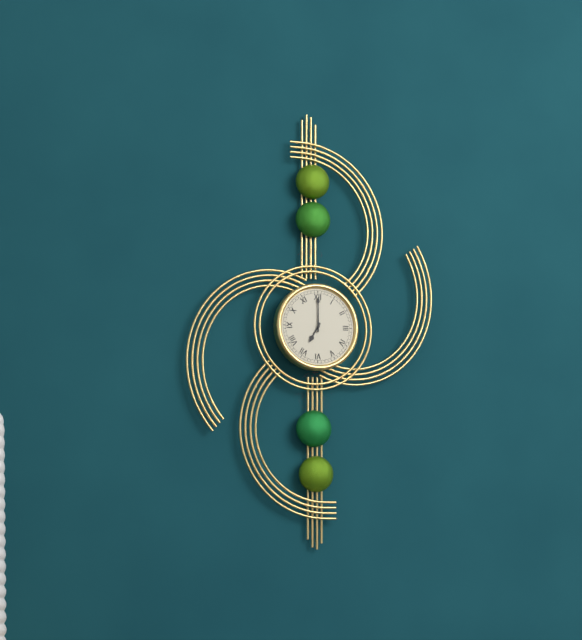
{"hour": 7, "minute": 0}
